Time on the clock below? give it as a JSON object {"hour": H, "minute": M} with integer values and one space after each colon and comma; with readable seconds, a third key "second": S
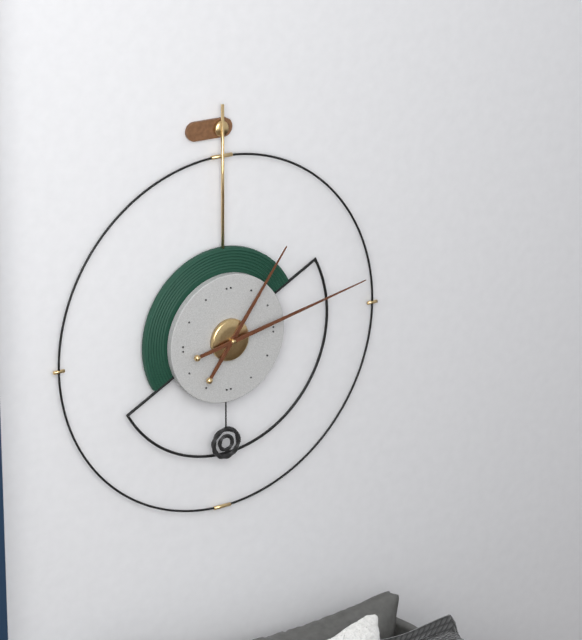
{"hour": 1, "minute": 13}
